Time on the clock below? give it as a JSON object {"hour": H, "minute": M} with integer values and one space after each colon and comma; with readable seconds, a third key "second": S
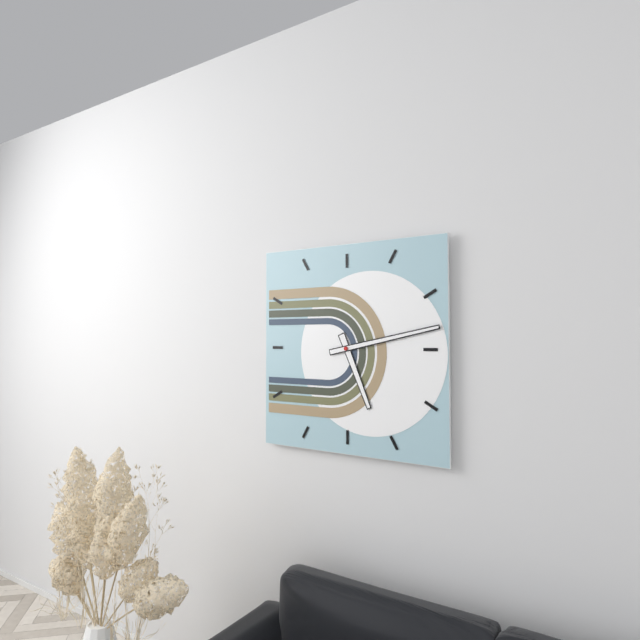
{"hour": 5, "minute": 13}
